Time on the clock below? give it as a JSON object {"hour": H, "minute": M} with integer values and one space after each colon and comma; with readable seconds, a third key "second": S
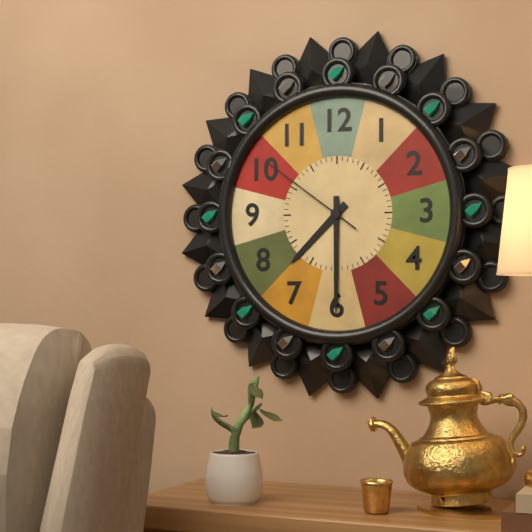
{"hour": 7, "minute": 30, "second": 51}
